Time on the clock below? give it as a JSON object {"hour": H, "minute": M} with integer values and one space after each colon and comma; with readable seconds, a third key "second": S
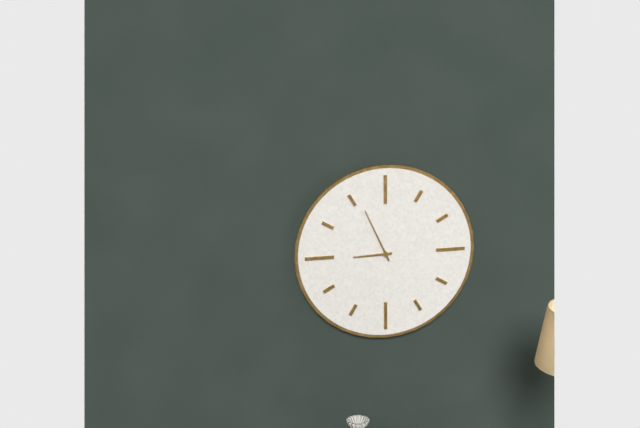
{"hour": 8, "minute": 56}
